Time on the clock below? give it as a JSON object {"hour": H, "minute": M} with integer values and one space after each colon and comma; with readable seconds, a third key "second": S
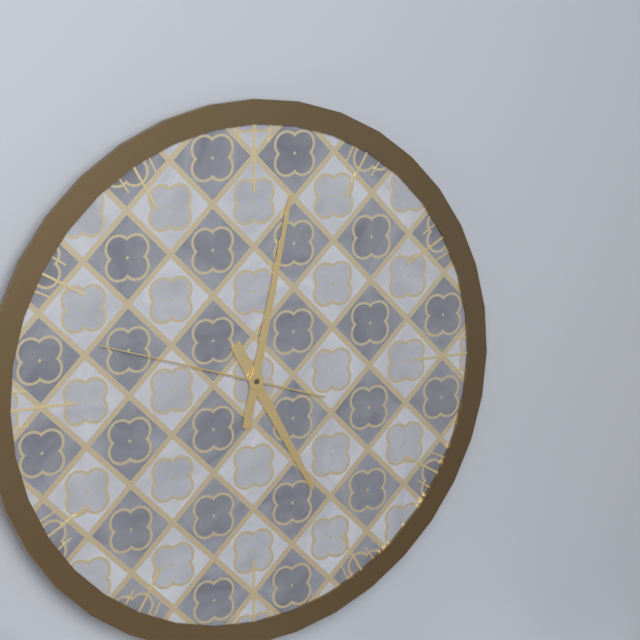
{"hour": 5, "minute": 2, "second": 48}
